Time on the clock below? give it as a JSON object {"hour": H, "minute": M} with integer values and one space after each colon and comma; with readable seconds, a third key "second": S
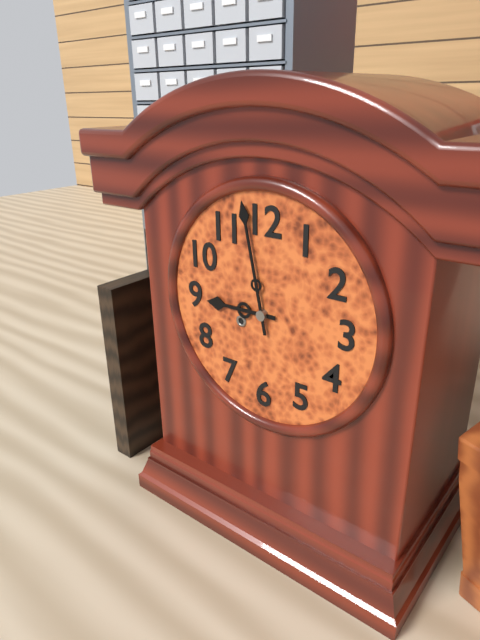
{"hour": 8, "minute": 58}
